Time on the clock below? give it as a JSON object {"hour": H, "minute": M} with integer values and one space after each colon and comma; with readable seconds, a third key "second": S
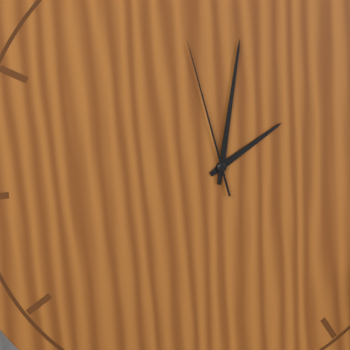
{"hour": 2, "minute": 2, "second": 58}
